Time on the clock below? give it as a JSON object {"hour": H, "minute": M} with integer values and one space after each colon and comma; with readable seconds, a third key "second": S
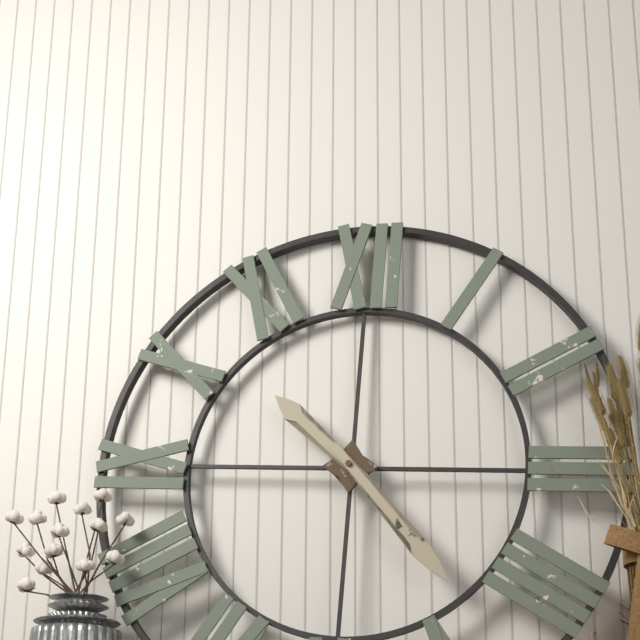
{"hour": 10, "minute": 23}
